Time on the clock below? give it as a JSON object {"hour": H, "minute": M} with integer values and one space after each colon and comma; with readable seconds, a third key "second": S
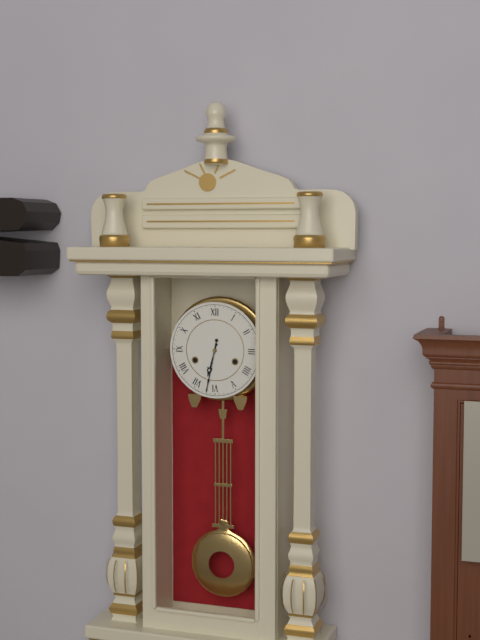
{"hour": 6, "minute": 32}
